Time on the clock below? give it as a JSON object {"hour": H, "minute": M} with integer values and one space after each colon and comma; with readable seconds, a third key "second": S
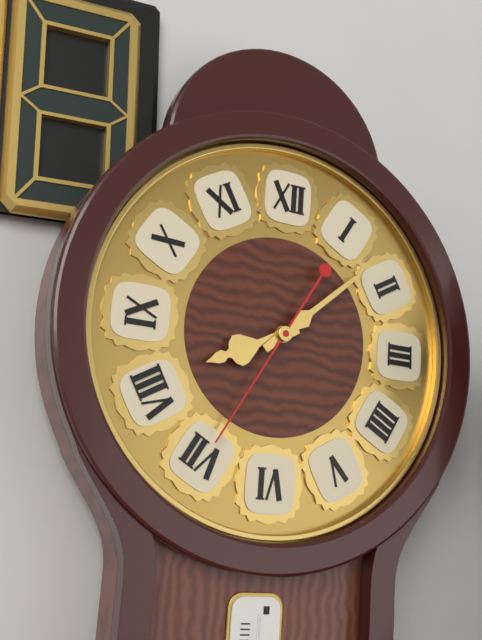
{"hour": 8, "minute": 8, "second": 35}
